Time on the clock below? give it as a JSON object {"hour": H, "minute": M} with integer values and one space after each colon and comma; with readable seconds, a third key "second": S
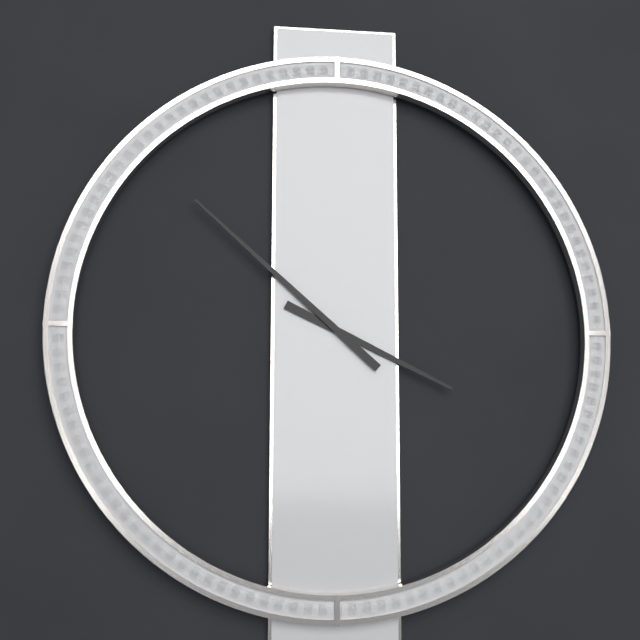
{"hour": 3, "minute": 52}
